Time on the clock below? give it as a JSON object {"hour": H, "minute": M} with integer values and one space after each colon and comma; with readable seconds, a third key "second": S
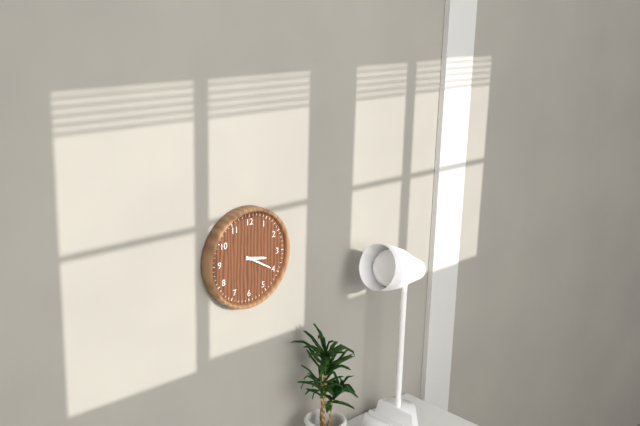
{"hour": 3, "minute": 20}
